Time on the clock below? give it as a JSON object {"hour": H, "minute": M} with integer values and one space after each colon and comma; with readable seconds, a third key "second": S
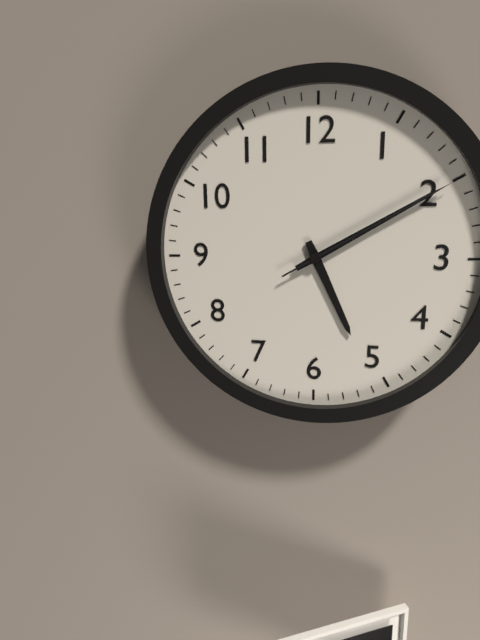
{"hour": 5, "minute": 10, "second": 10}
